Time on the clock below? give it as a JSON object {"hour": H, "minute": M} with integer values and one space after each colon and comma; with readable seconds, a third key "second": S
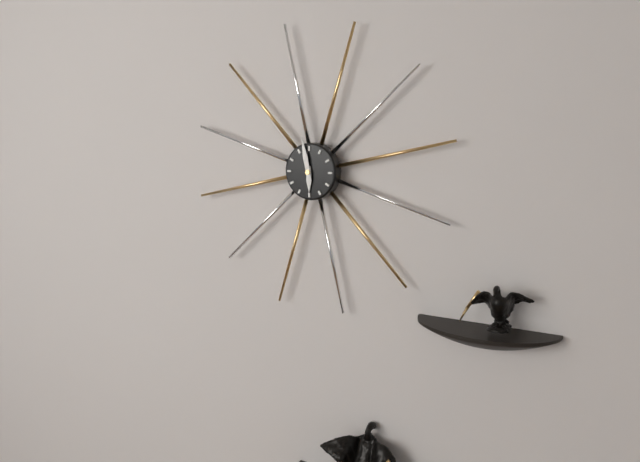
{"hour": 5, "minute": 58}
